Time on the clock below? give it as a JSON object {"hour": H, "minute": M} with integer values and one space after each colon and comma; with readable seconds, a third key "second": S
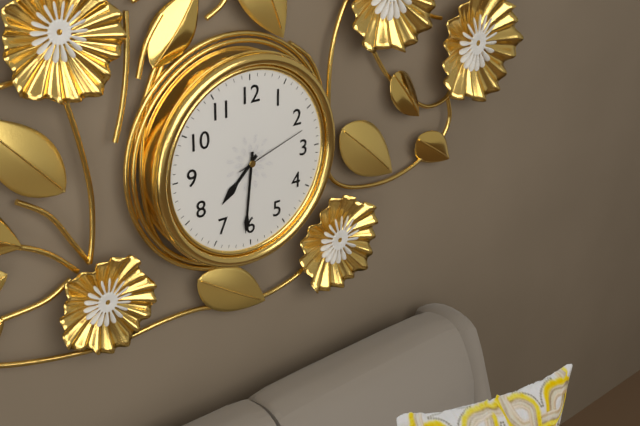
{"hour": 7, "minute": 31, "second": 12}
